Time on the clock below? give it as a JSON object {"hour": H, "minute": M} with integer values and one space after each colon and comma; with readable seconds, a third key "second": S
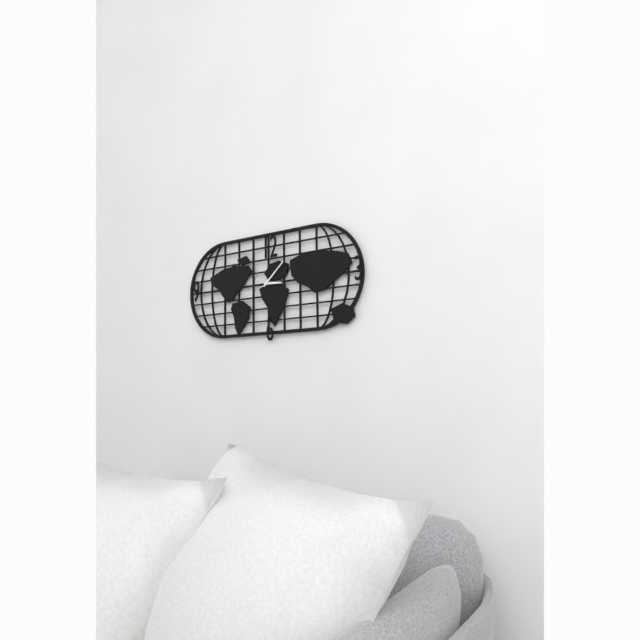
{"hour": 3, "minute": 8}
